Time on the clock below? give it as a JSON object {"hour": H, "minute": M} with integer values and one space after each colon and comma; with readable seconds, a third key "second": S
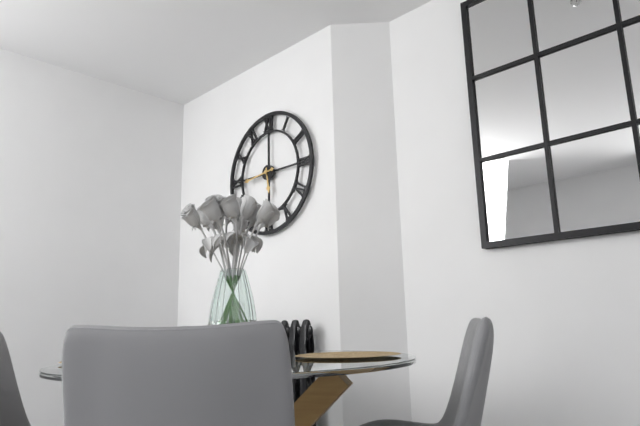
{"hour": 5, "minute": 44}
